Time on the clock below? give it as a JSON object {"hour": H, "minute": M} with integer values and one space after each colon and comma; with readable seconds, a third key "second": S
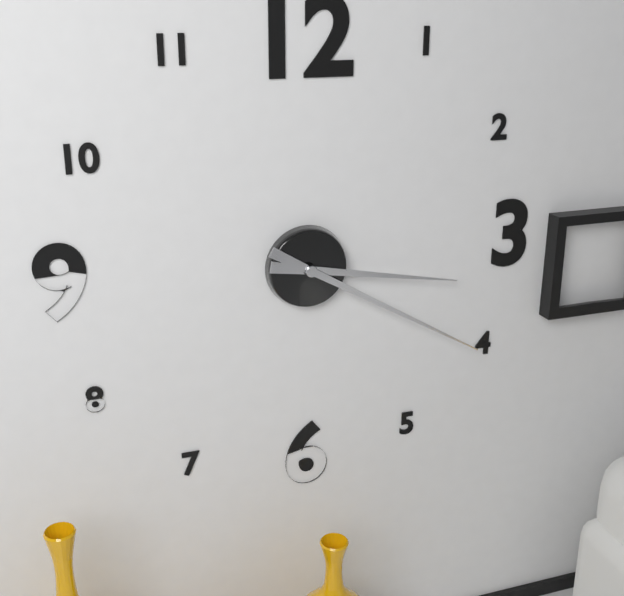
{"hour": 3, "minute": 20}
